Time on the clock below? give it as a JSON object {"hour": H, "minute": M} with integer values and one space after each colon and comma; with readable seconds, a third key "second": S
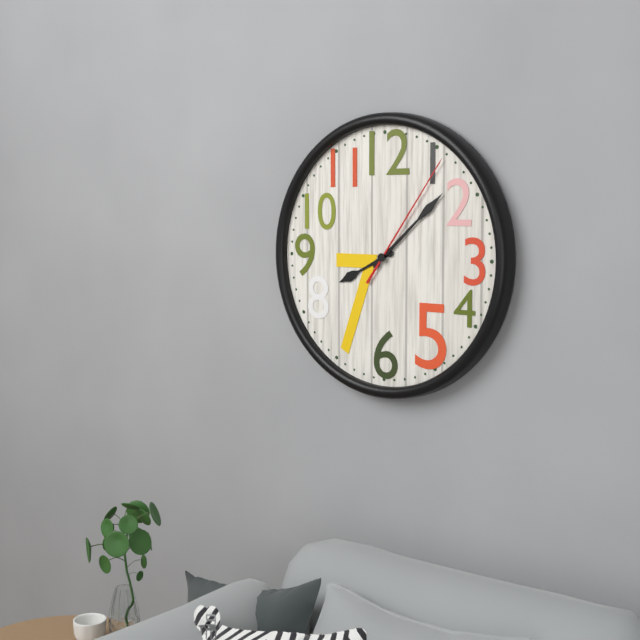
{"hour": 8, "minute": 8, "second": 6}
